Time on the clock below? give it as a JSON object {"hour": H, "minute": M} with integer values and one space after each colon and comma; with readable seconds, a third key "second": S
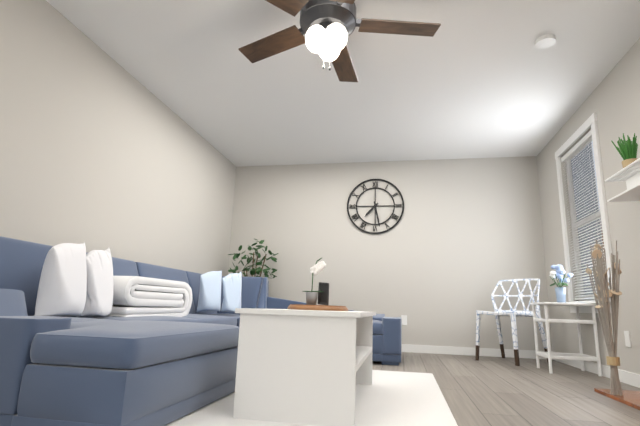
{"hour": 7, "minute": 28}
